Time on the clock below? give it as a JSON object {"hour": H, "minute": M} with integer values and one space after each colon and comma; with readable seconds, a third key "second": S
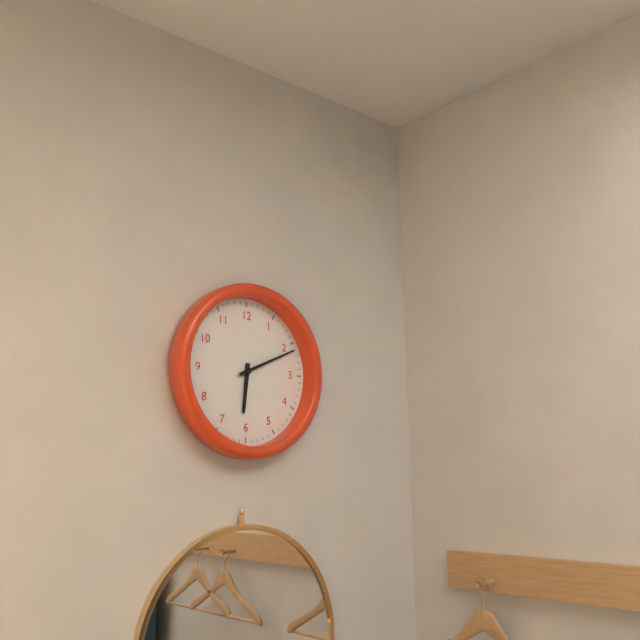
{"hour": 6, "minute": 11}
